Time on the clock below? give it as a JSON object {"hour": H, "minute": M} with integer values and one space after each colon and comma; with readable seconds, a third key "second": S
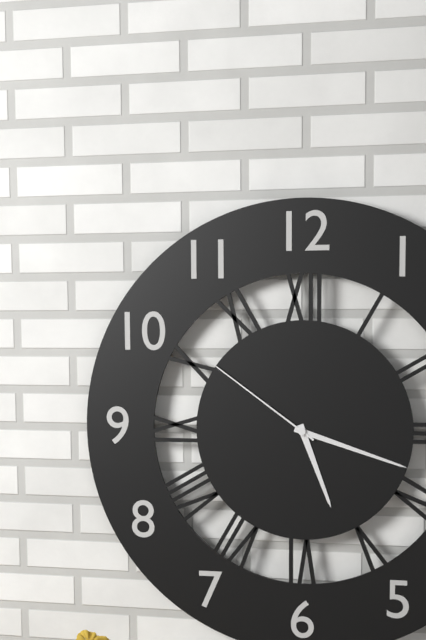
{"hour": 5, "minute": 18, "second": 51}
